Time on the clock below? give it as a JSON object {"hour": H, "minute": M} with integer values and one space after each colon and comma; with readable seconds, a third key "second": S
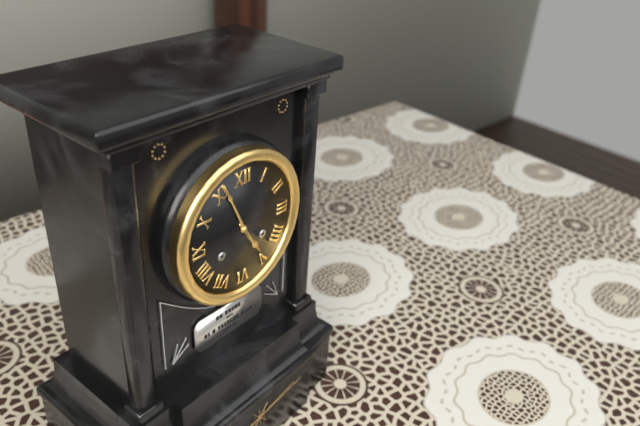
{"hour": 4, "minute": 56}
